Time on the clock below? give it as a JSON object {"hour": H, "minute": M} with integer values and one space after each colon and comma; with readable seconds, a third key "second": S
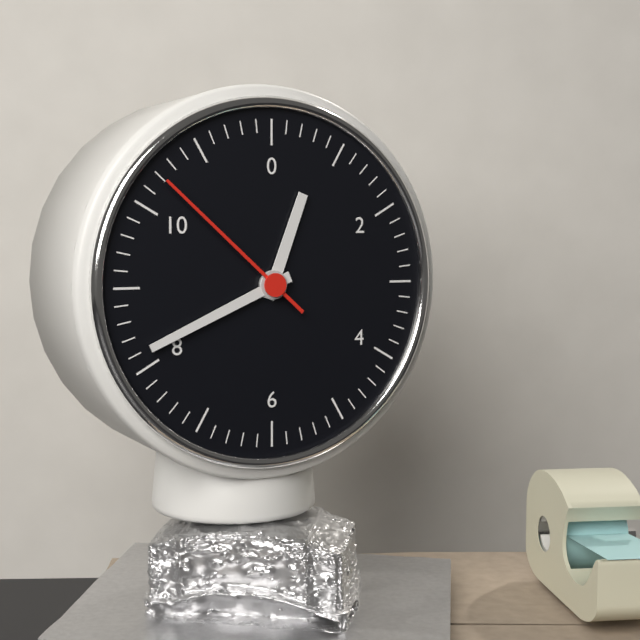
{"hour": 12, "minute": 41, "second": 52}
